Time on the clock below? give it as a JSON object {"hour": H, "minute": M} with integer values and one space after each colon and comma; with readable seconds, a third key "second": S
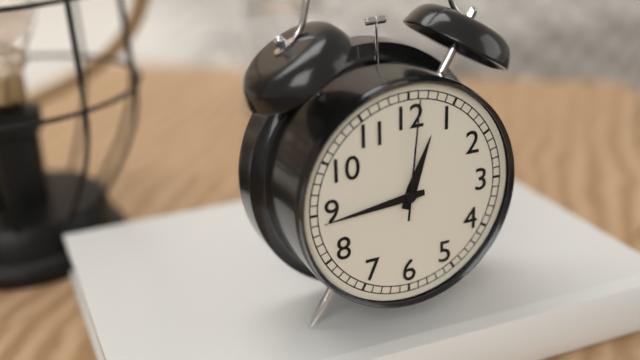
{"hour": 12, "minute": 44, "second": 1}
